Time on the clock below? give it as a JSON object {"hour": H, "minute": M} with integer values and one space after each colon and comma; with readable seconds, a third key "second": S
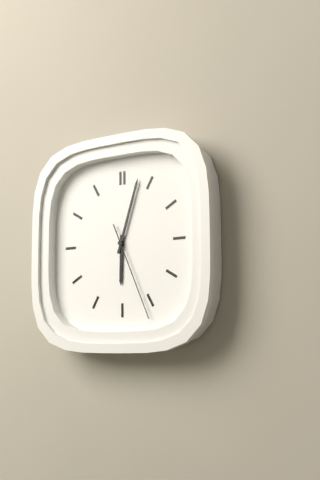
{"hour": 6, "minute": 3, "second": 26}
